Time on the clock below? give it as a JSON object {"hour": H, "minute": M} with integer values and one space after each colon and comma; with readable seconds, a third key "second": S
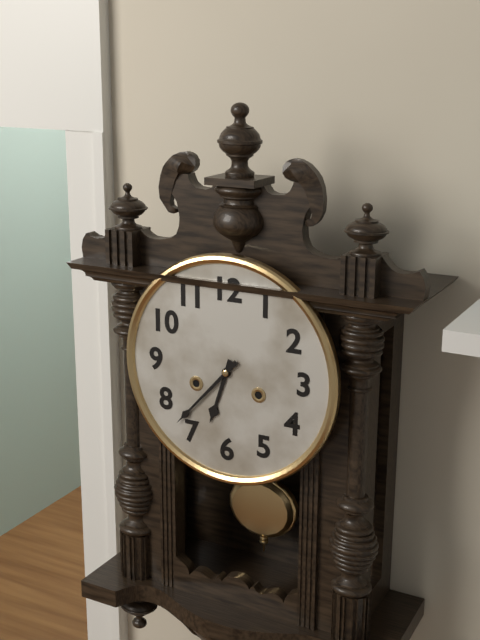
{"hour": 6, "minute": 37}
